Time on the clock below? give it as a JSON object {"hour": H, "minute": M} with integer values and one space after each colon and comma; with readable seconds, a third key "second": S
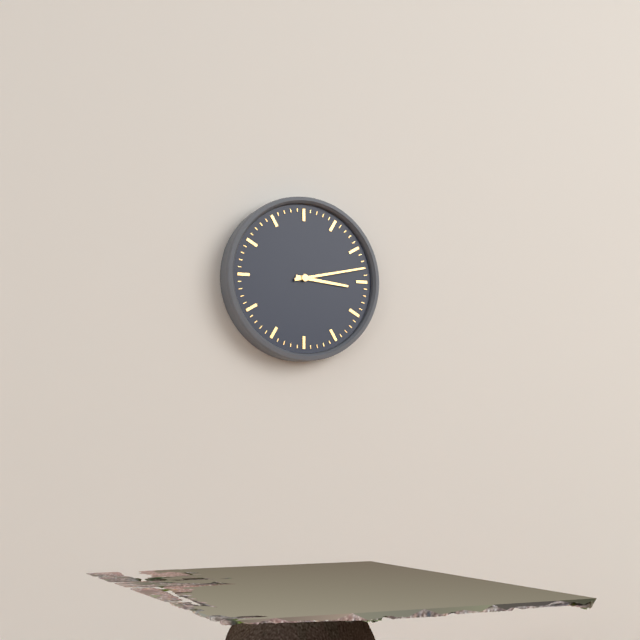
{"hour": 3, "minute": 13}
